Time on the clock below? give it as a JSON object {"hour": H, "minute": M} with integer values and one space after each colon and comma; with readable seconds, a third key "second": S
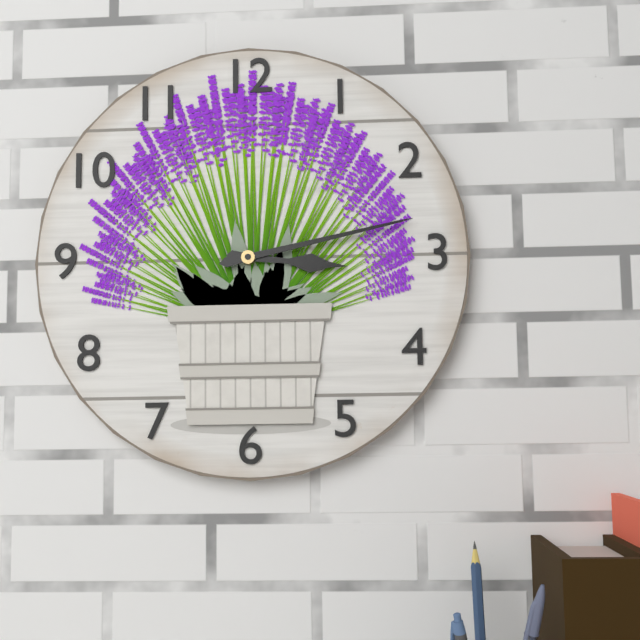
{"hour": 3, "minute": 13}
